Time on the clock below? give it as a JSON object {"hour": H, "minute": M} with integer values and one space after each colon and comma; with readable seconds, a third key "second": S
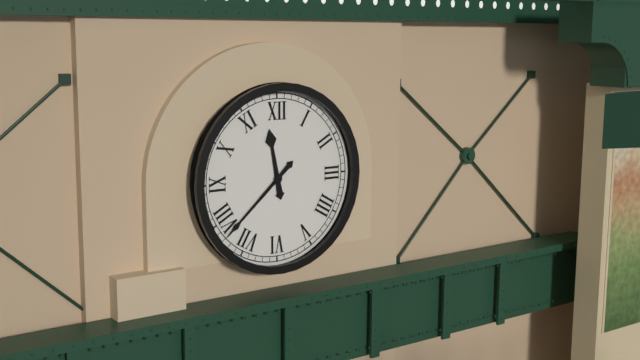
{"hour": 11, "minute": 38}
